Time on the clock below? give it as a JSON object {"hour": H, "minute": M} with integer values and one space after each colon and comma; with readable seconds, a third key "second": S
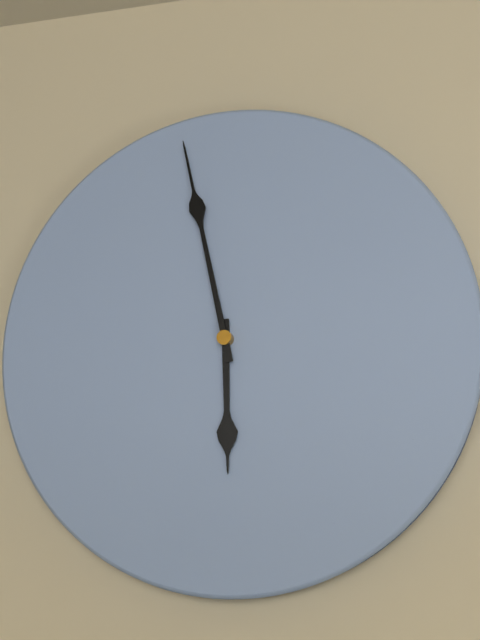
{"hour": 5, "minute": 58}
